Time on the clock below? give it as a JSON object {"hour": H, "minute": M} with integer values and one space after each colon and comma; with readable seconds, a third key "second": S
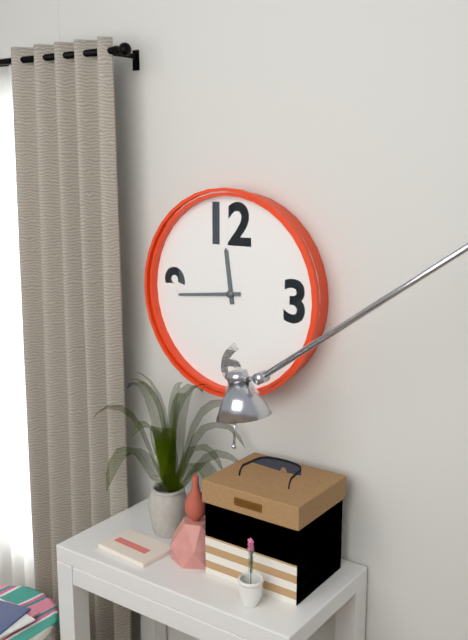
{"hour": 11, "minute": 44}
